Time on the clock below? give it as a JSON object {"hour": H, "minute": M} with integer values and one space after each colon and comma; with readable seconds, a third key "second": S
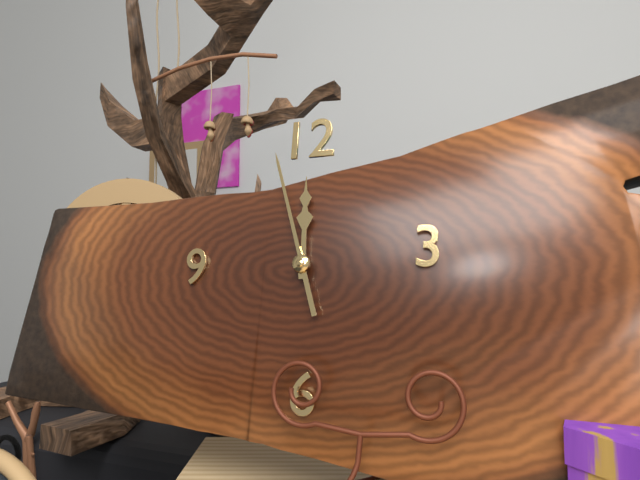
{"hour": 11, "minute": 57}
